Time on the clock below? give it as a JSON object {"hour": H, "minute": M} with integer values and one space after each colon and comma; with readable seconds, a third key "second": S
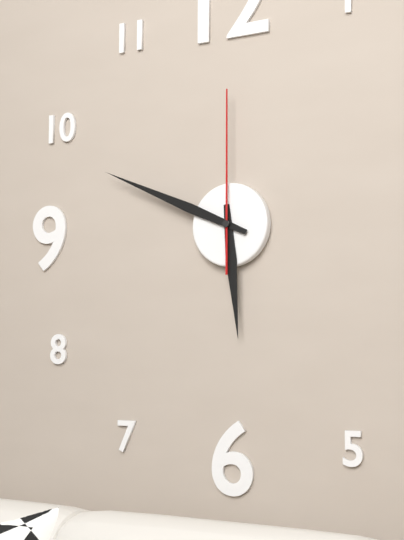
{"hour": 5, "minute": 49, "second": 0}
